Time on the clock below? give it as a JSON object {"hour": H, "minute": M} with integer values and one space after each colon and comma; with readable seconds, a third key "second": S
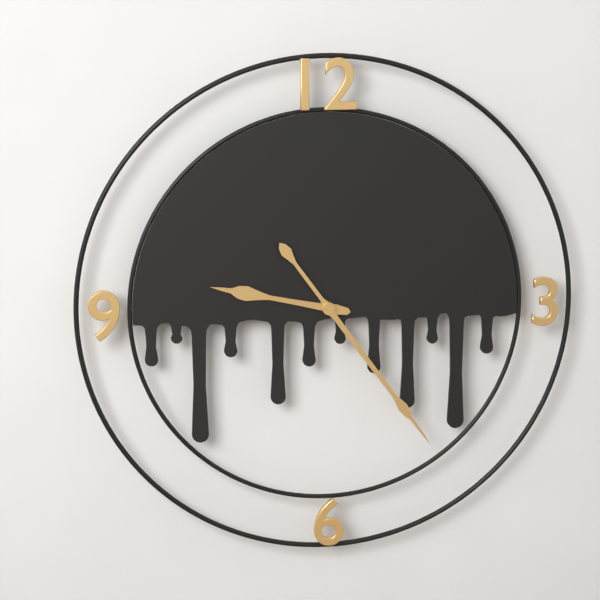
{"hour": 9, "minute": 24}
